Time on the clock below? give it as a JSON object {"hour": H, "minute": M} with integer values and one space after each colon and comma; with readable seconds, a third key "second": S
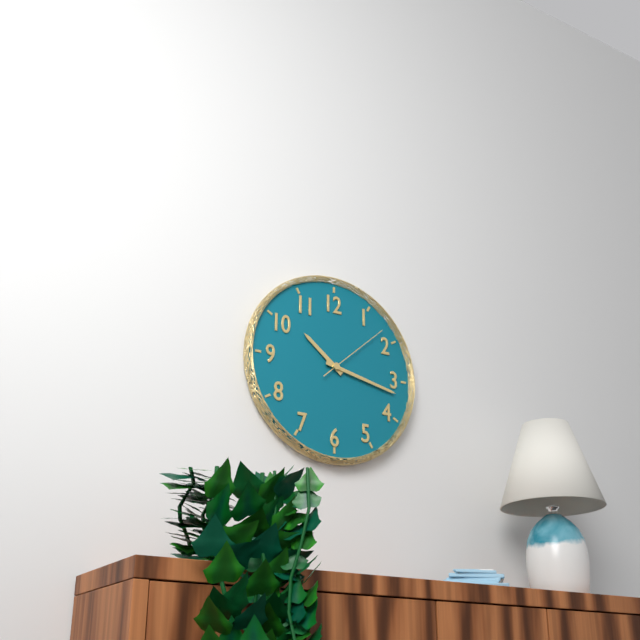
{"hour": 10, "minute": 17, "second": 8}
